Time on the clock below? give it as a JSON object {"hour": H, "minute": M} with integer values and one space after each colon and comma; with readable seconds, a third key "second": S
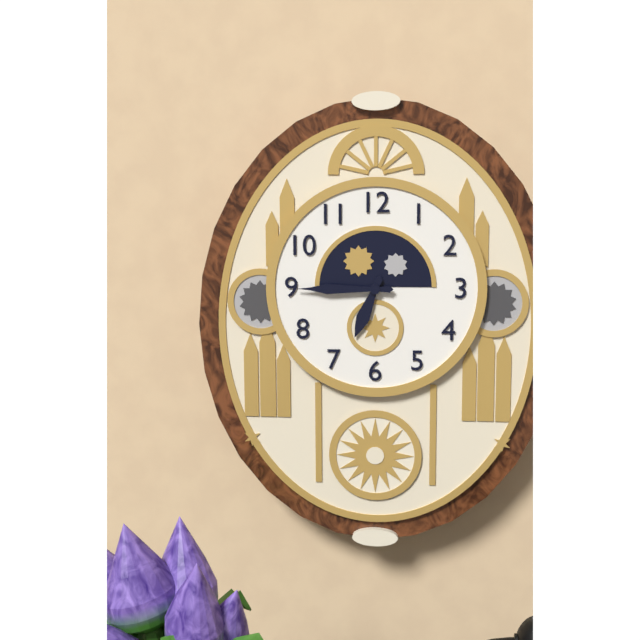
{"hour": 6, "minute": 45}
